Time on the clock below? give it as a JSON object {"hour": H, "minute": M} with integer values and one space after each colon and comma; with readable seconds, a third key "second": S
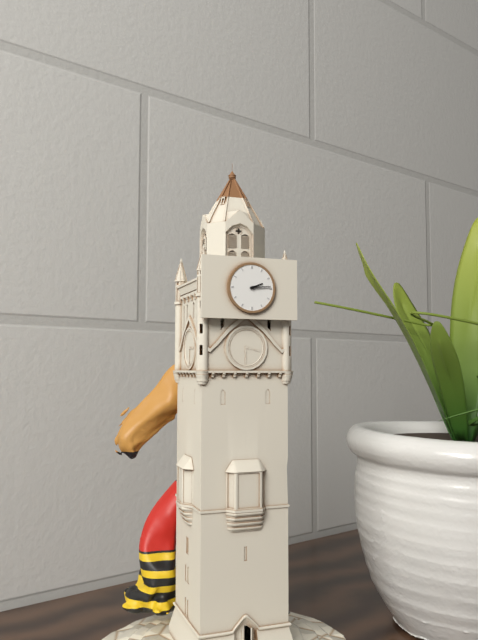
{"hour": 2, "minute": 14}
